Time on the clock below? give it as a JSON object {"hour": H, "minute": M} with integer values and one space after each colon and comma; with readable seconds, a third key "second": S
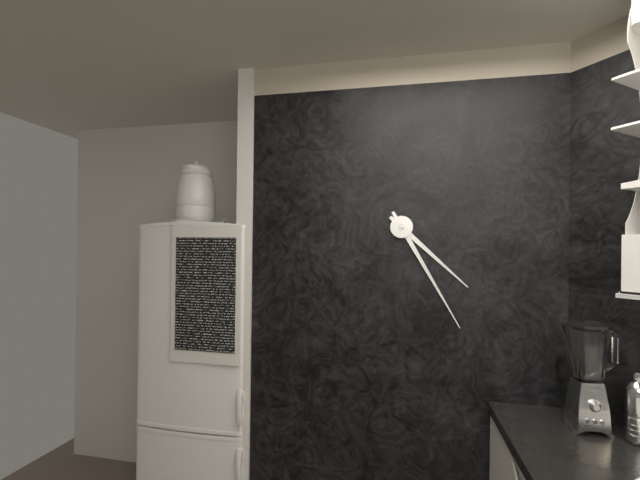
{"hour": 4, "minute": 25}
